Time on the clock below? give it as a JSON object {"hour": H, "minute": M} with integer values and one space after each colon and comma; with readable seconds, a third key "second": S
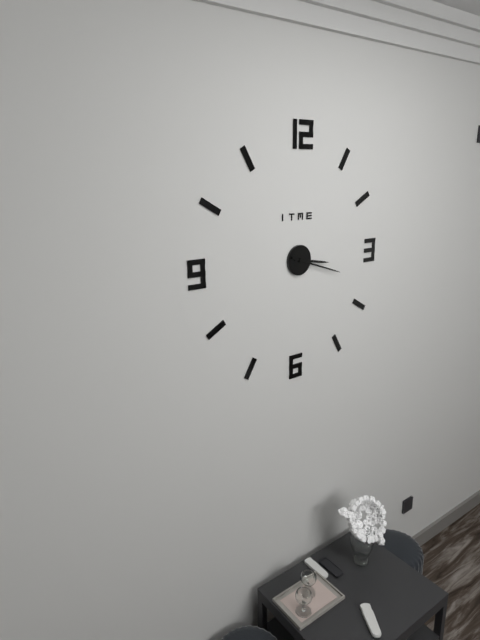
{"hour": 3, "minute": 18}
